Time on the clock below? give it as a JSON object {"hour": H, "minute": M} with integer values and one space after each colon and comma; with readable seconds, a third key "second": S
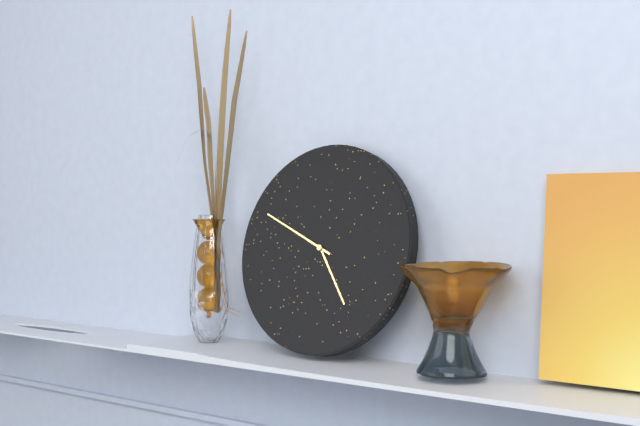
{"hour": 4, "minute": 49}
